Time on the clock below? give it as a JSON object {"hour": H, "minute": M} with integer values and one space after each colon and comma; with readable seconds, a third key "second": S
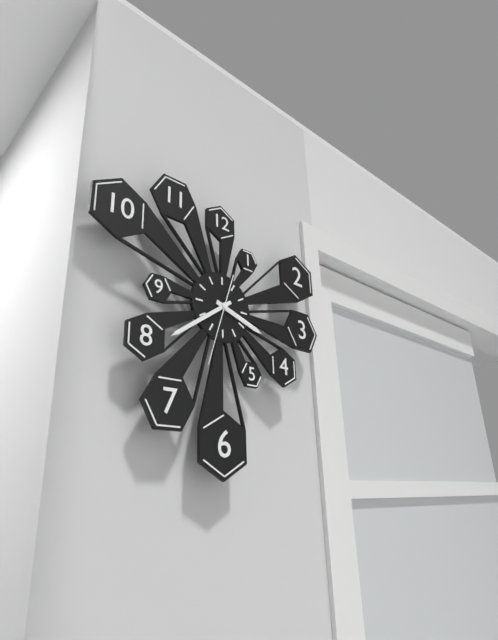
{"hour": 3, "minute": 39, "second": 33}
